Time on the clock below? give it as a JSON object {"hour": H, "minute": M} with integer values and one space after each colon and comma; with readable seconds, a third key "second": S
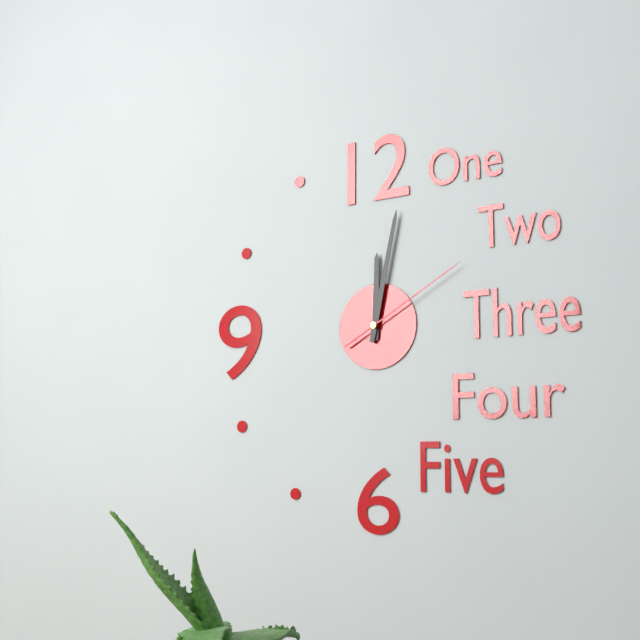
{"hour": 12, "minute": 2, "second": 10}
